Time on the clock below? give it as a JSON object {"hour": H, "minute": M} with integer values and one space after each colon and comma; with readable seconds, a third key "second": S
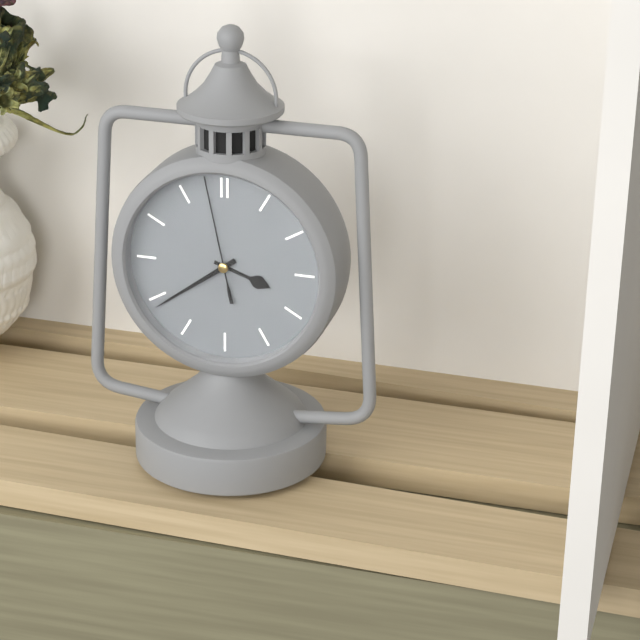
{"hour": 3, "minute": 39, "second": 58}
